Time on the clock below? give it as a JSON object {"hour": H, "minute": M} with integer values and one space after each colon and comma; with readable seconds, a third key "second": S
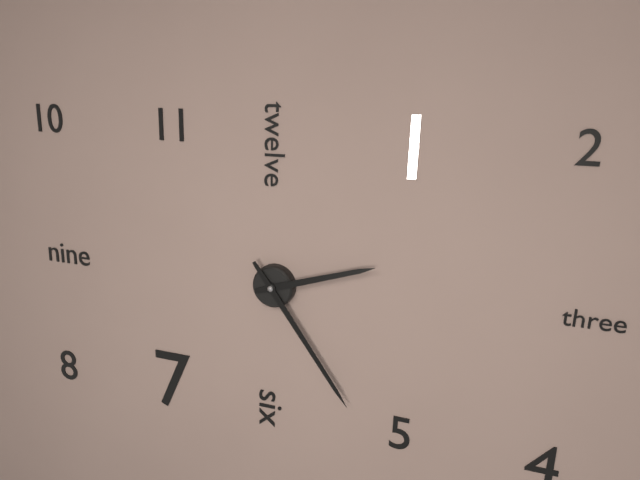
{"hour": 2, "minute": 24}
